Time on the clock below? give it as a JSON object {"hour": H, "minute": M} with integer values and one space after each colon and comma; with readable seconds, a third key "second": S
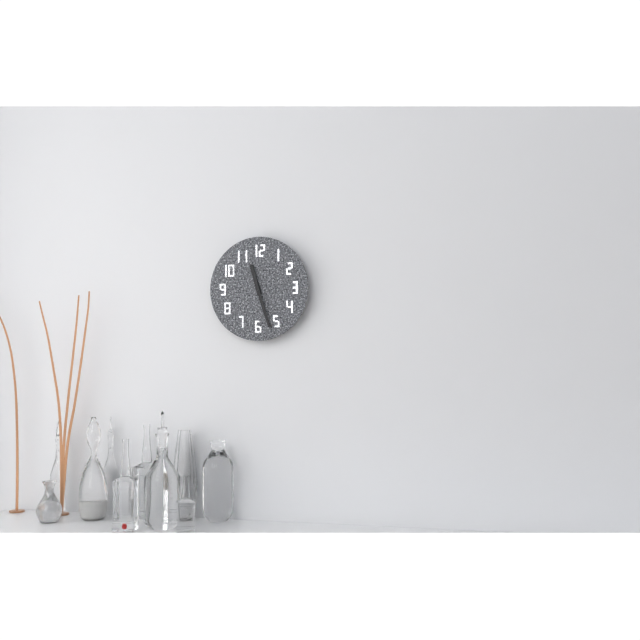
{"hour": 11, "minute": 27}
